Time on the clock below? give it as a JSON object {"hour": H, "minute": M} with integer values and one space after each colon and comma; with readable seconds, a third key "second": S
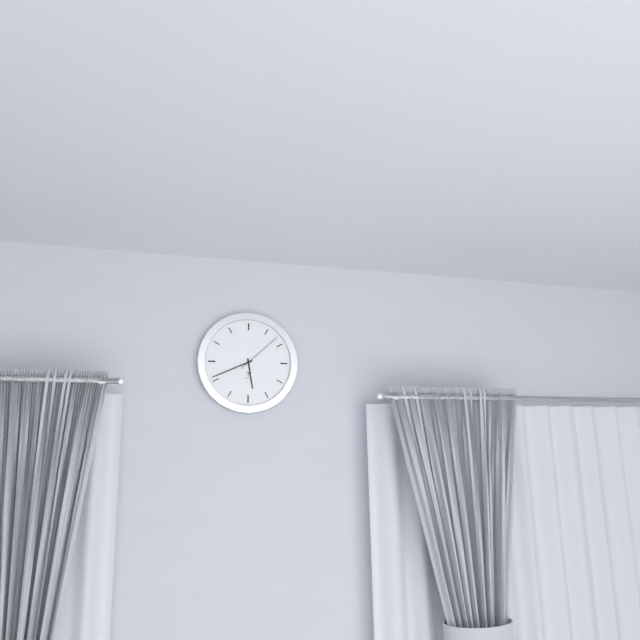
{"hour": 5, "minute": 41}
